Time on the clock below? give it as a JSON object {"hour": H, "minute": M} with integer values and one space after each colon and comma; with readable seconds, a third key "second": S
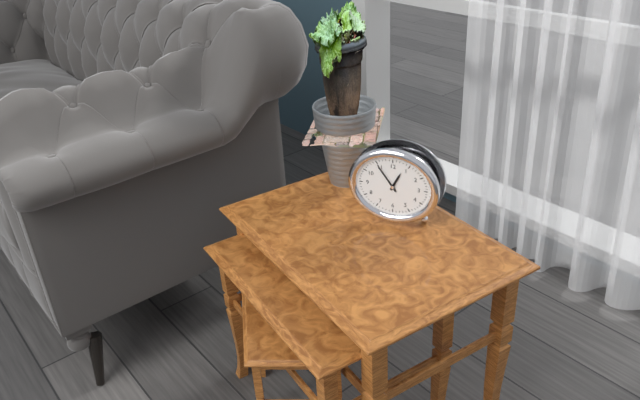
{"hour": 12, "minute": 54}
